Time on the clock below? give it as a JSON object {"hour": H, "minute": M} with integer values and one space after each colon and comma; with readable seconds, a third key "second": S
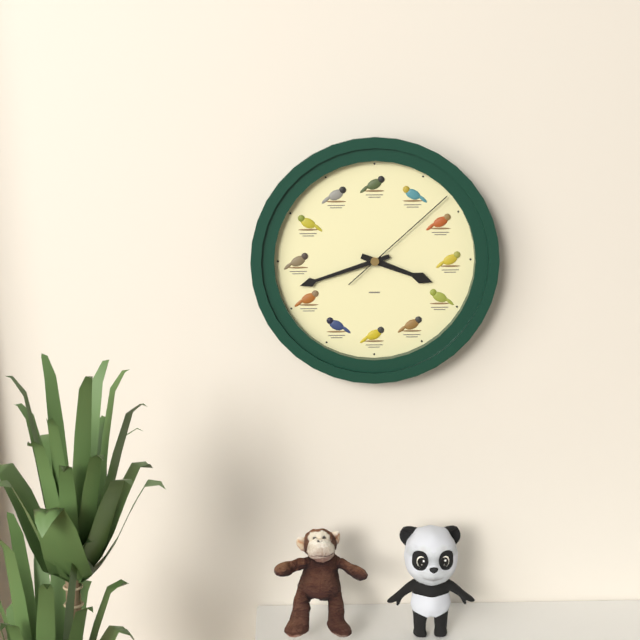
{"hour": 3, "minute": 42, "second": 8}
